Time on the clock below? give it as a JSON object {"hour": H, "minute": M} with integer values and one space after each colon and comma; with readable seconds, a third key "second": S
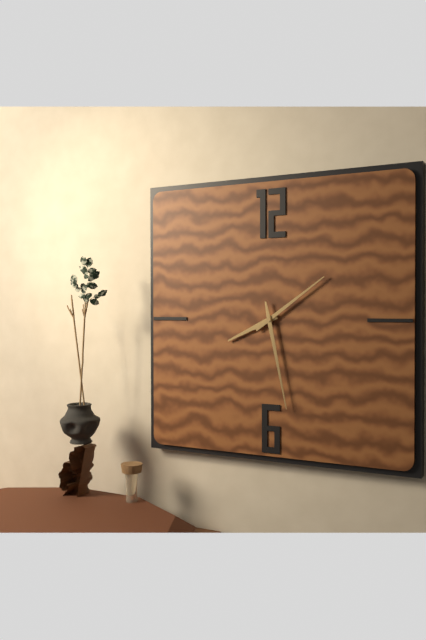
{"hour": 8, "minute": 9, "second": 28}
